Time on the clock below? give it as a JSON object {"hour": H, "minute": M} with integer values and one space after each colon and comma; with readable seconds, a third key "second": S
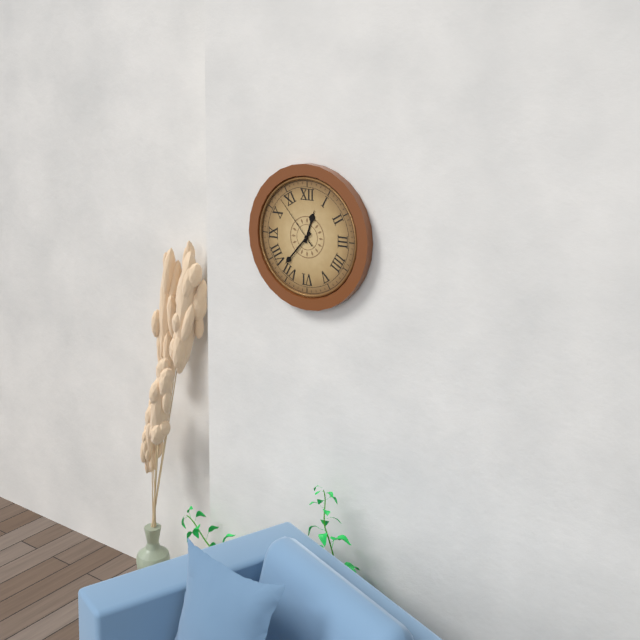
{"hour": 12, "minute": 37, "second": 53}
